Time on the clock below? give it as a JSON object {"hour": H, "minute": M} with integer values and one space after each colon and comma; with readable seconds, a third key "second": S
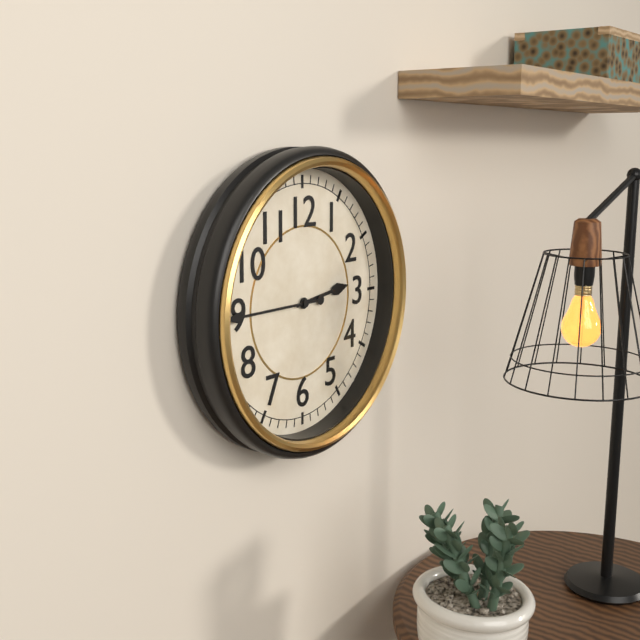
{"hour": 2, "minute": 45}
